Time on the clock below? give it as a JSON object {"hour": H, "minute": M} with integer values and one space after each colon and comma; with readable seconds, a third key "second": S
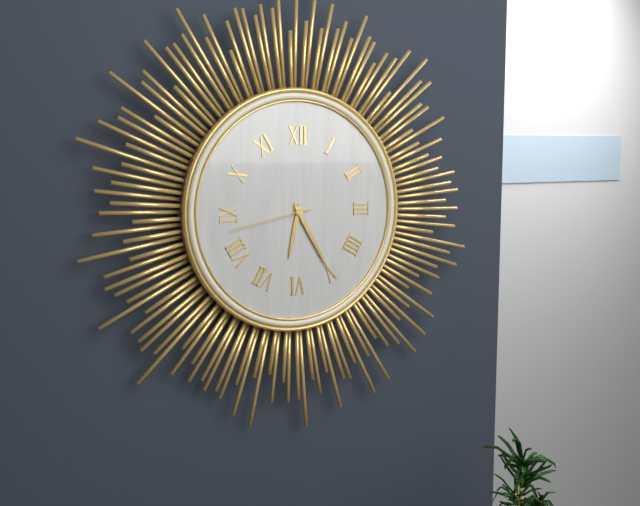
{"hour": 6, "minute": 25, "second": 43}
